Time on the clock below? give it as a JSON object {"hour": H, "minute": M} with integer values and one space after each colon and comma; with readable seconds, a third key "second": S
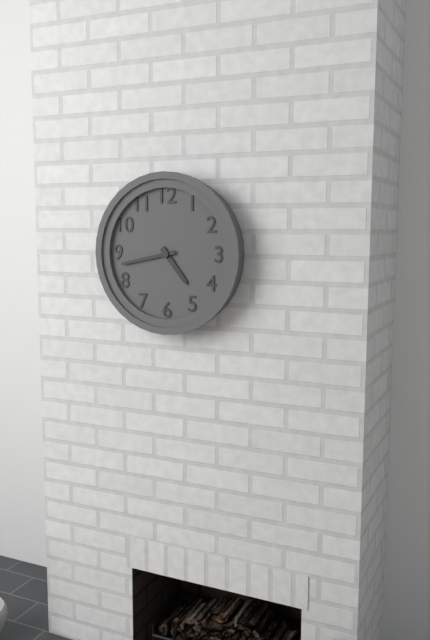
{"hour": 4, "minute": 43}
